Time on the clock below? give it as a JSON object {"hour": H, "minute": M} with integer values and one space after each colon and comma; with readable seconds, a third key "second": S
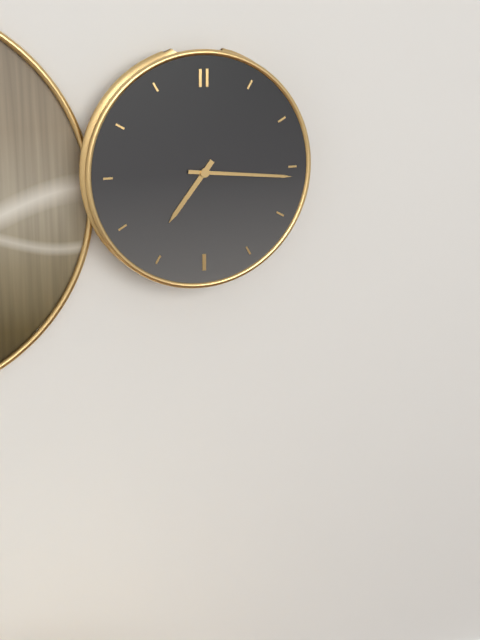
{"hour": 7, "minute": 16}
